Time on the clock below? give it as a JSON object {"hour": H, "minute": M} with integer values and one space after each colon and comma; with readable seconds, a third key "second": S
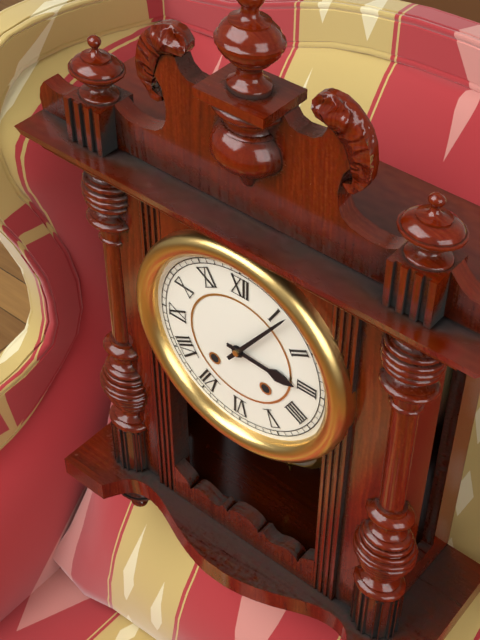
{"hour": 3, "minute": 6}
